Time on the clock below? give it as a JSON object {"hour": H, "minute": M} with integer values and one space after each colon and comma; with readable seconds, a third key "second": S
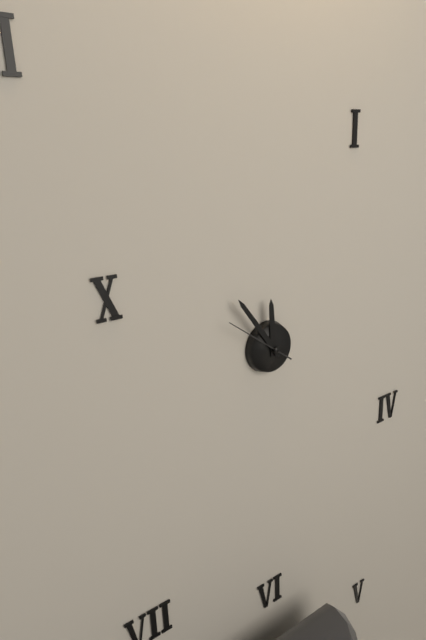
{"hour": 11, "minute": 54, "second": 51}
